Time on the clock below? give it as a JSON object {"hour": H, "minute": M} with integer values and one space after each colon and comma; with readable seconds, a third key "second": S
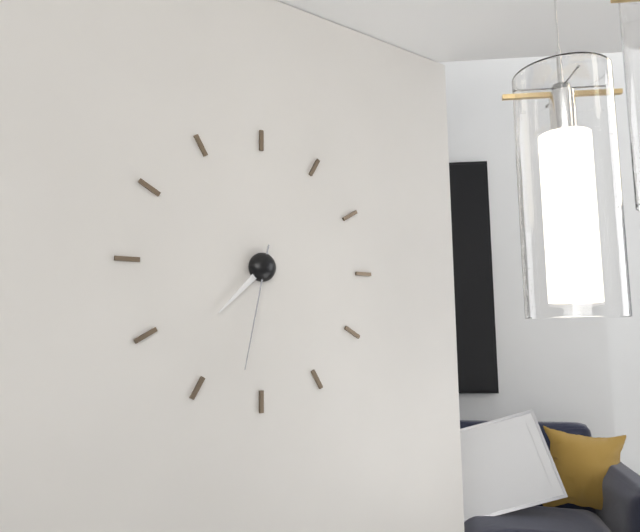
{"hour": 7, "minute": 32}
